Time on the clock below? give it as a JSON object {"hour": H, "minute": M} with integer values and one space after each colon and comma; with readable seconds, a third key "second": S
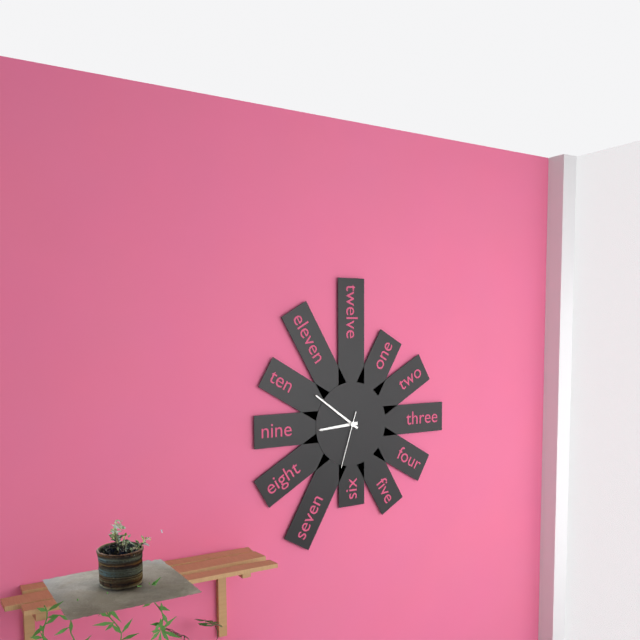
{"hour": 8, "minute": 51, "second": 33}
